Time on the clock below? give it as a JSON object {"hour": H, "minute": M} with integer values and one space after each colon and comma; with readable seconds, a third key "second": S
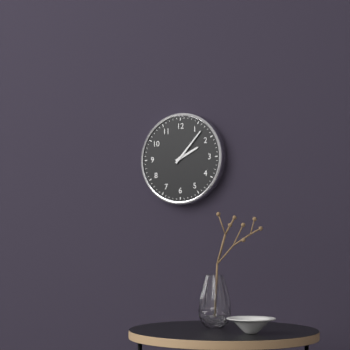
{"hour": 2, "minute": 7}
